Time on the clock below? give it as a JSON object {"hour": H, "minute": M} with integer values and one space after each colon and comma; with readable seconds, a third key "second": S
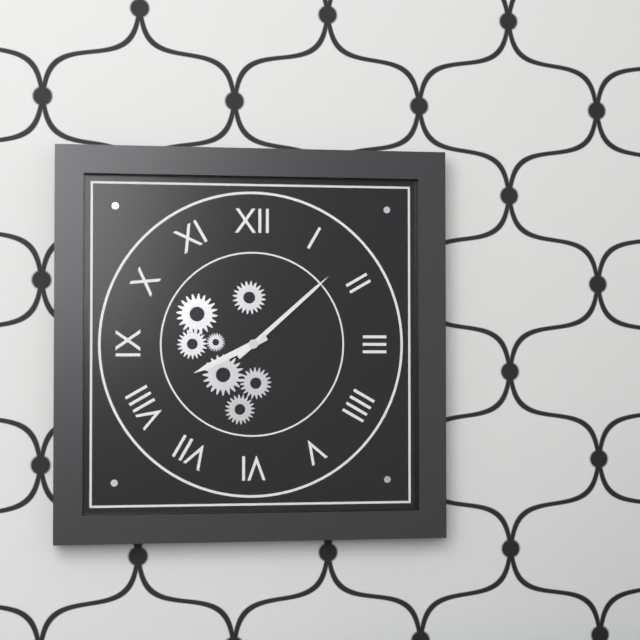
{"hour": 8, "minute": 8}
